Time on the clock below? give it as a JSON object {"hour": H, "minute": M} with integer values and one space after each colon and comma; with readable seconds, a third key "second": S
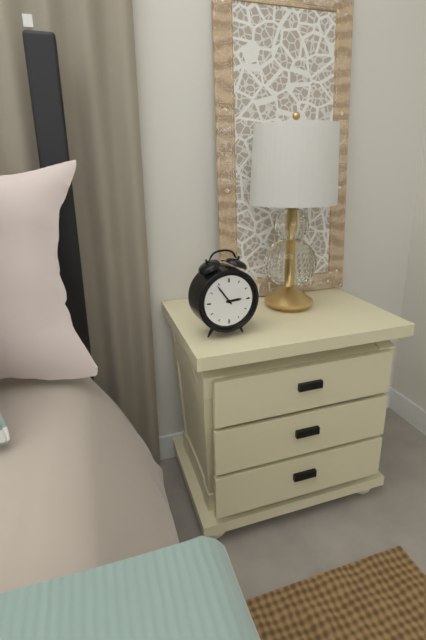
{"hour": 2, "minute": 54}
